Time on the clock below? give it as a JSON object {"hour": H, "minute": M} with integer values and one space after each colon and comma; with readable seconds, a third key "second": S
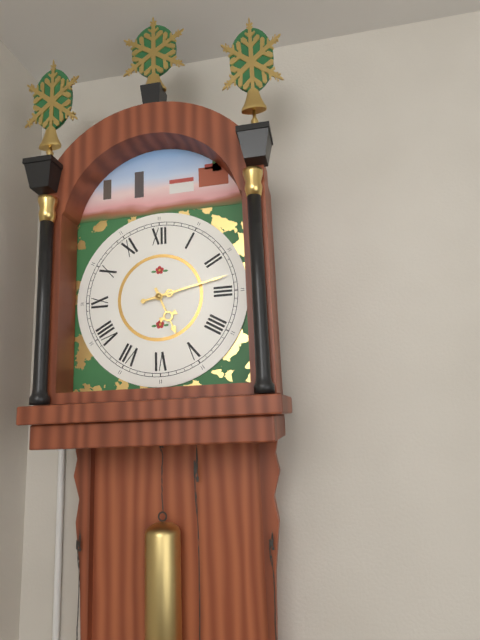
{"hour": 5, "minute": 13}
